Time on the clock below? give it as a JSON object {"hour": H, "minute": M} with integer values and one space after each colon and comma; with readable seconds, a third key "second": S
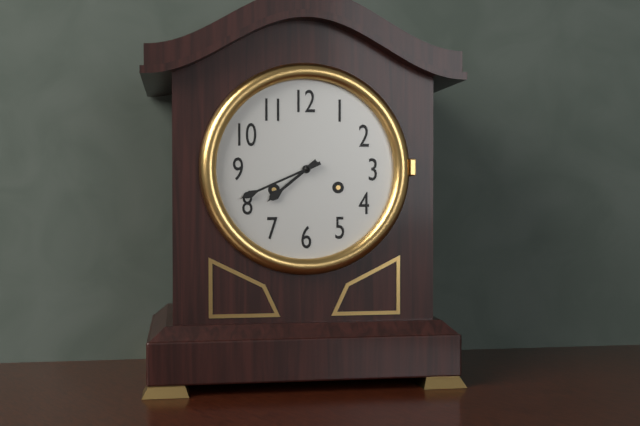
{"hour": 7, "minute": 41}
